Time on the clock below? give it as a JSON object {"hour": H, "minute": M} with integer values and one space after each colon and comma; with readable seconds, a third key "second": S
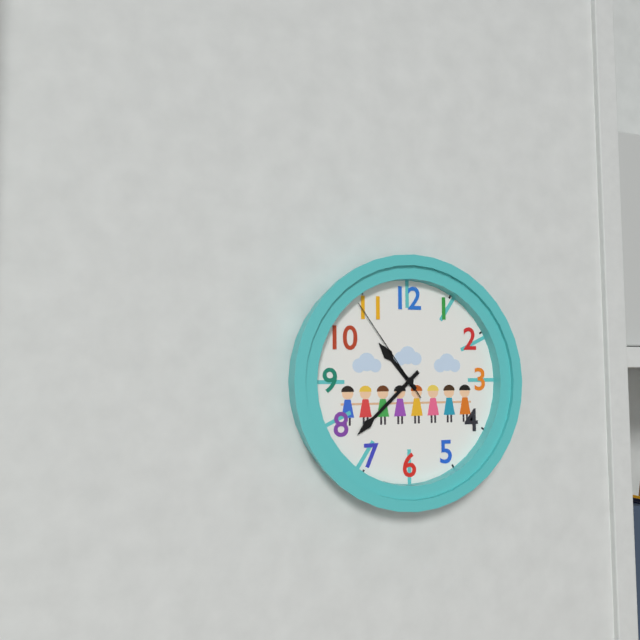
{"hour": 10, "minute": 38, "second": 54}
